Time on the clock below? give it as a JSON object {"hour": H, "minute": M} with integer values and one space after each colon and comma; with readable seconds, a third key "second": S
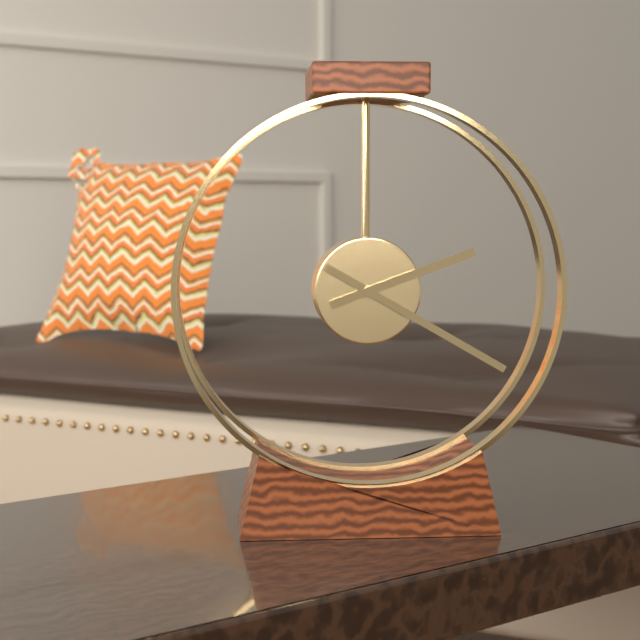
{"hour": 2, "minute": 20}
